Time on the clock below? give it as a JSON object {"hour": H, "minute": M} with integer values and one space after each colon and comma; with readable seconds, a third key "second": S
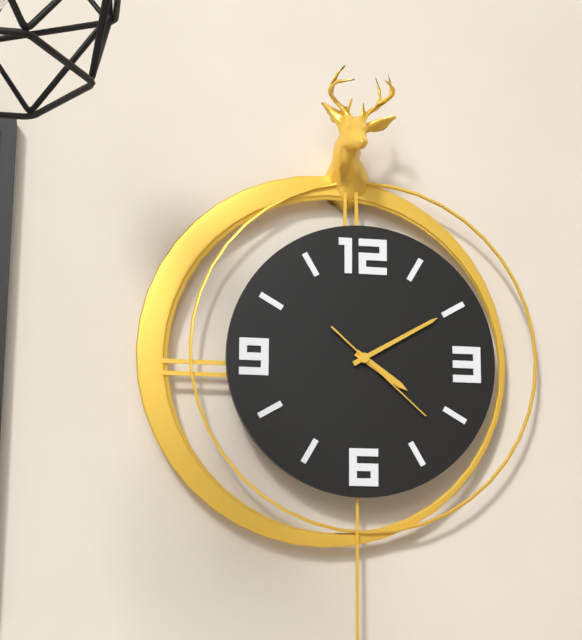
{"hour": 4, "minute": 10, "second": 22}
